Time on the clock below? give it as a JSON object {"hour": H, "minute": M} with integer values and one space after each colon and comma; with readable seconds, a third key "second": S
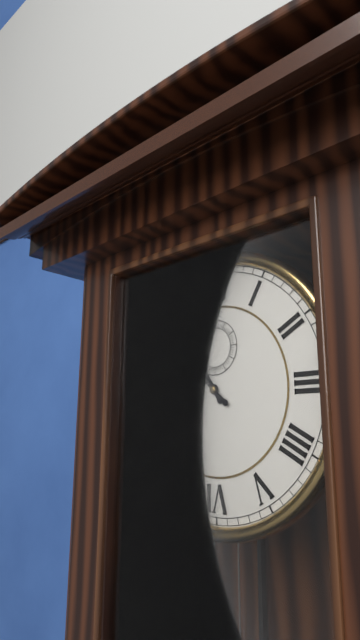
{"hour": 10, "minute": 52}
